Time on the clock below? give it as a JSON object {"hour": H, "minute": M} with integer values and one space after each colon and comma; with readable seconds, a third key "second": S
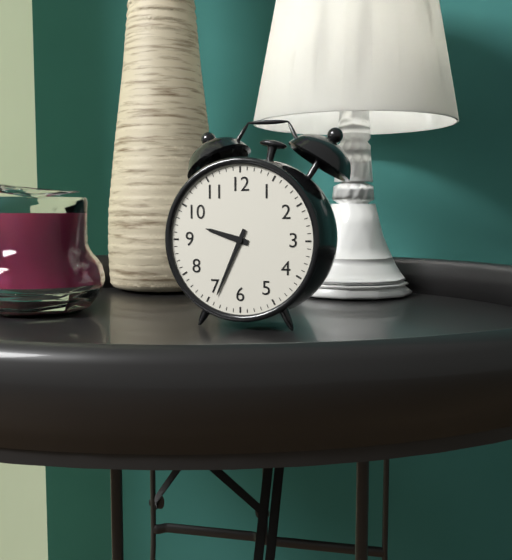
{"hour": 9, "minute": 34}
